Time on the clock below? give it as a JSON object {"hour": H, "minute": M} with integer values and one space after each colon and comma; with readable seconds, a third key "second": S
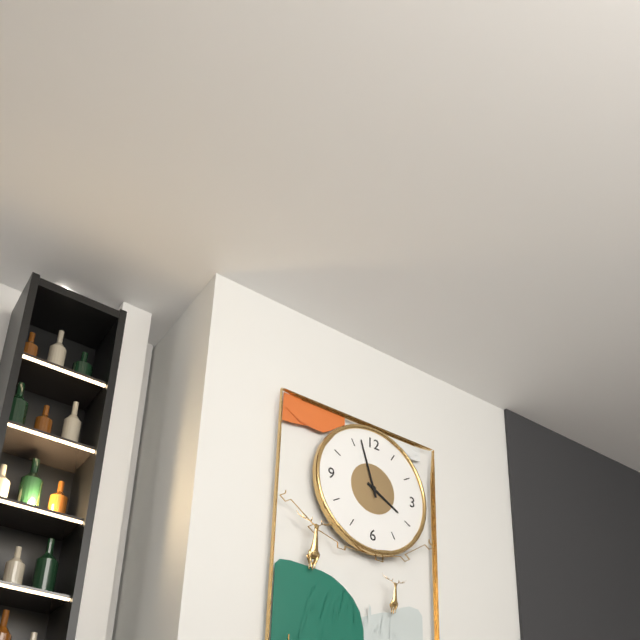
{"hour": 3, "minute": 57}
